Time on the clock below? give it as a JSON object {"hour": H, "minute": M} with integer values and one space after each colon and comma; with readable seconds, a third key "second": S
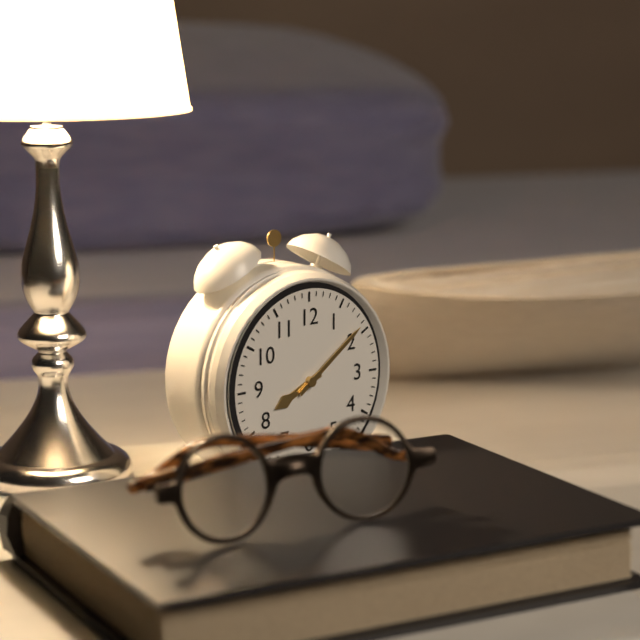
{"hour": 8, "minute": 9}
